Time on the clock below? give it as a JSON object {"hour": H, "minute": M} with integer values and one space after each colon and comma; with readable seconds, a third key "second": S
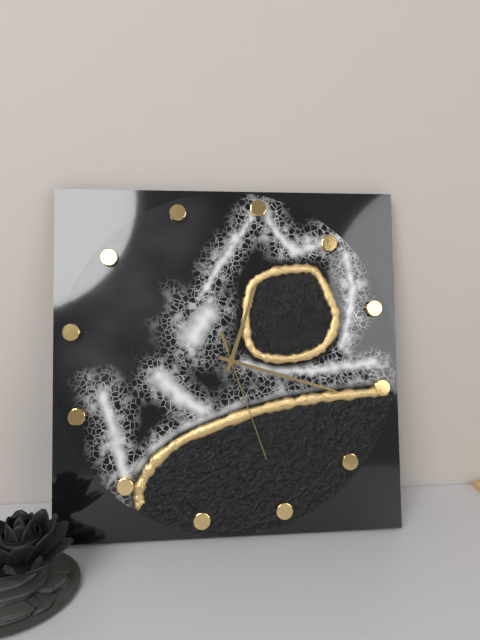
{"hour": 12, "minute": 16, "second": 25}
